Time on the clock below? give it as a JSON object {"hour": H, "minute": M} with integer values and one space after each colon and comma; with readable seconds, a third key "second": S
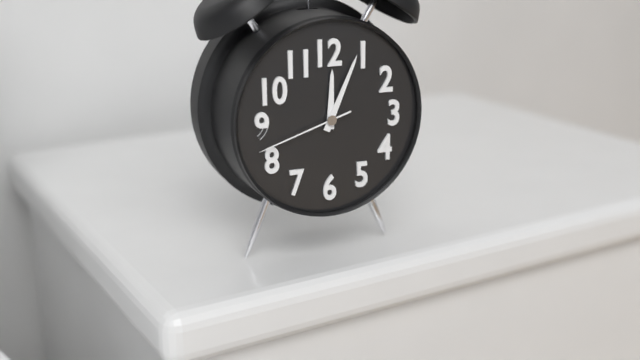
{"hour": 12, "minute": 4, "second": 42}
